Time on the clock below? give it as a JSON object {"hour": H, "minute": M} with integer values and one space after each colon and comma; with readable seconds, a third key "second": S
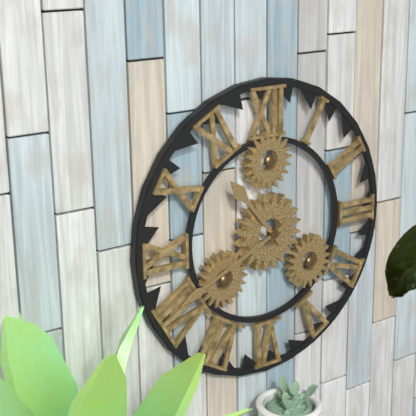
{"hour": 10, "minute": 41}
